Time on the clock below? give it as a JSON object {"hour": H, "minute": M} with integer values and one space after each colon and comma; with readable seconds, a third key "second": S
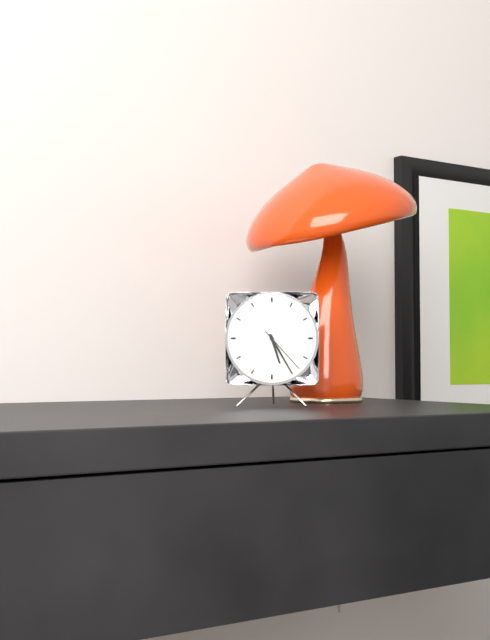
{"hour": 5, "minute": 25, "second": 23}
